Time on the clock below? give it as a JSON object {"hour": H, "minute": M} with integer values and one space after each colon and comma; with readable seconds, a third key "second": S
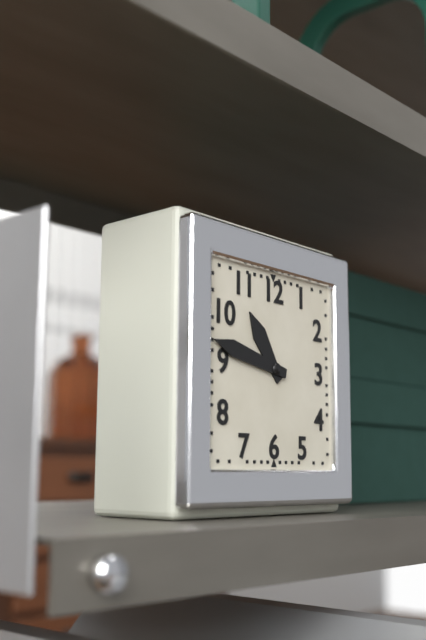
{"hour": 10, "minute": 47}
